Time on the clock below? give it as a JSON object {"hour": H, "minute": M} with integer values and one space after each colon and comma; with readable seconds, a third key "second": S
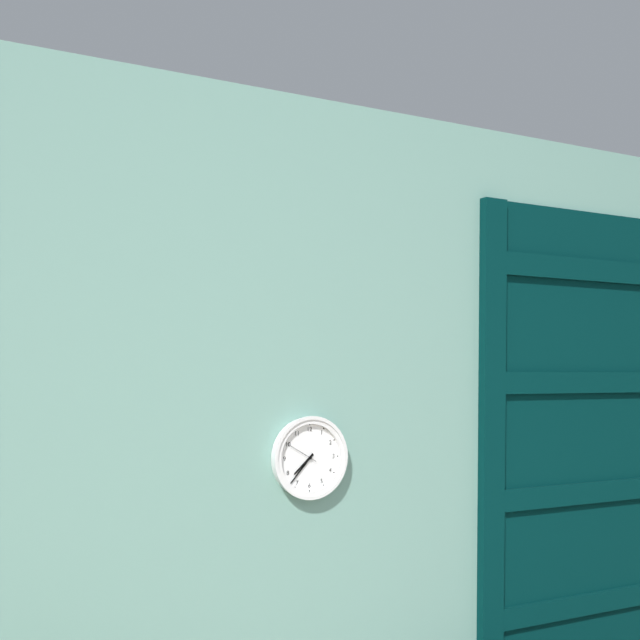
{"hour": 7, "minute": 37}
